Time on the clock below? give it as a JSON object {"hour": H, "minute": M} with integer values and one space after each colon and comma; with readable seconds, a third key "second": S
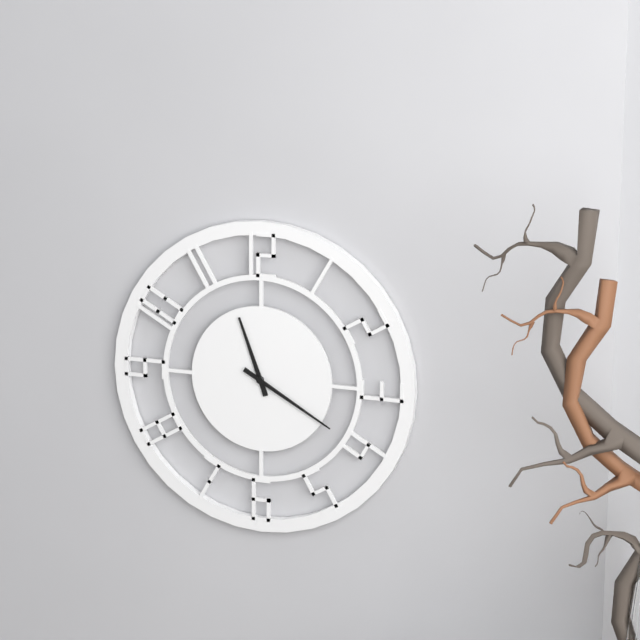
{"hour": 11, "minute": 20}
